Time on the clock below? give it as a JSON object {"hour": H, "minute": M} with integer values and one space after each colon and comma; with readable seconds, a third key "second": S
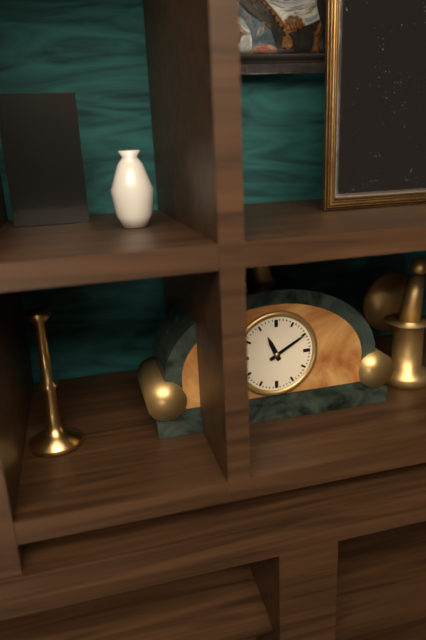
{"hour": 11, "minute": 10}
